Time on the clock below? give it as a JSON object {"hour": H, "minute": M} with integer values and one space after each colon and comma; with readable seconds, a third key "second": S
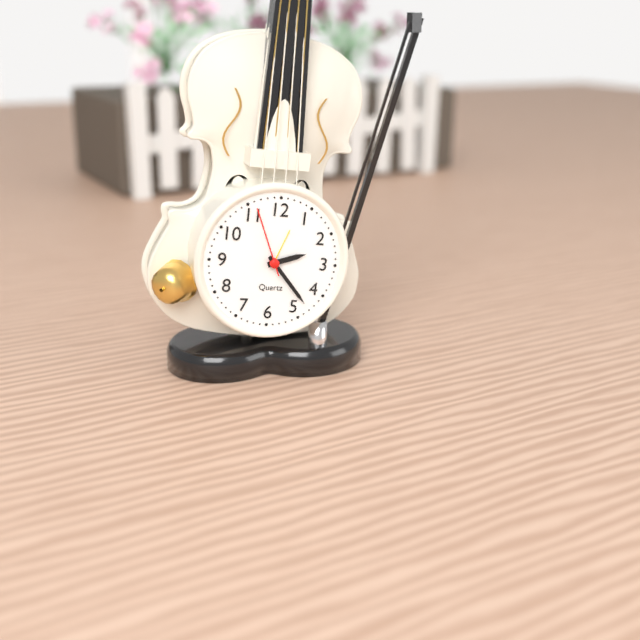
{"hour": 2, "minute": 23, "second": 56}
